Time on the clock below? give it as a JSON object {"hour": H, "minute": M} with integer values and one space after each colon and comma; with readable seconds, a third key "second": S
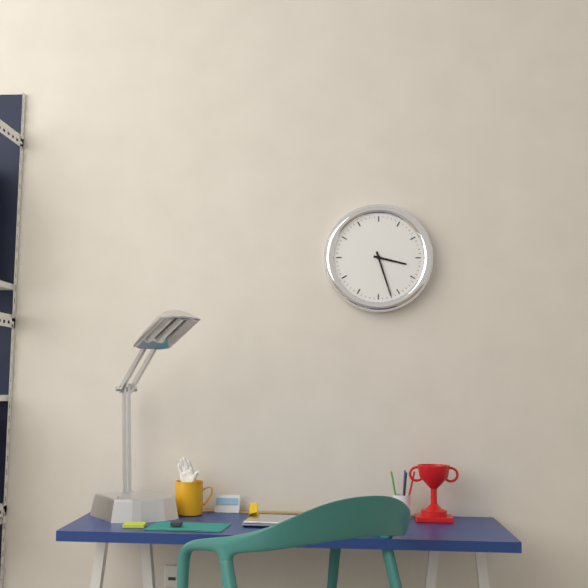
{"hour": 3, "minute": 27}
